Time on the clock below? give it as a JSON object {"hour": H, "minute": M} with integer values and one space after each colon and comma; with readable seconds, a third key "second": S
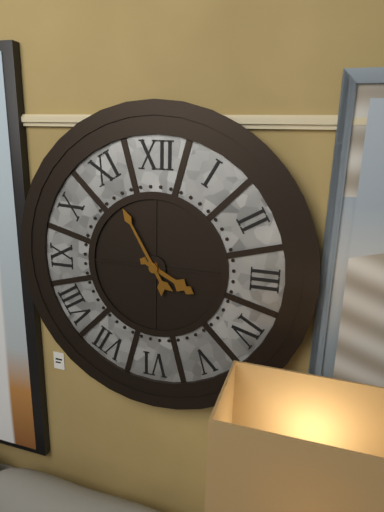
{"hour": 3, "minute": 55}
